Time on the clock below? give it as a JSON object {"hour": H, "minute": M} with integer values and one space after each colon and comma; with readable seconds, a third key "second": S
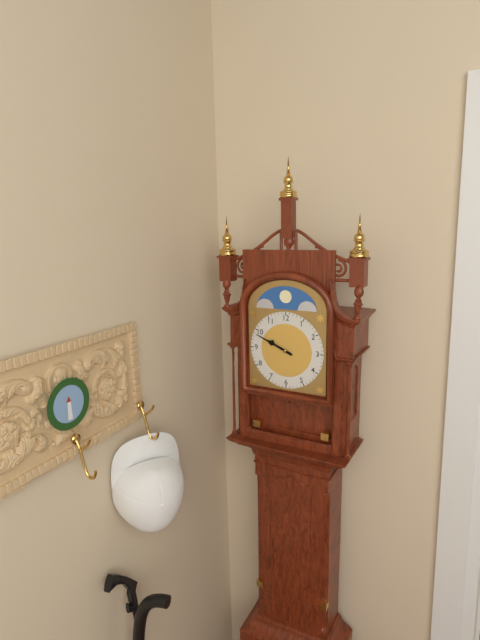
{"hour": 9, "minute": 49}
